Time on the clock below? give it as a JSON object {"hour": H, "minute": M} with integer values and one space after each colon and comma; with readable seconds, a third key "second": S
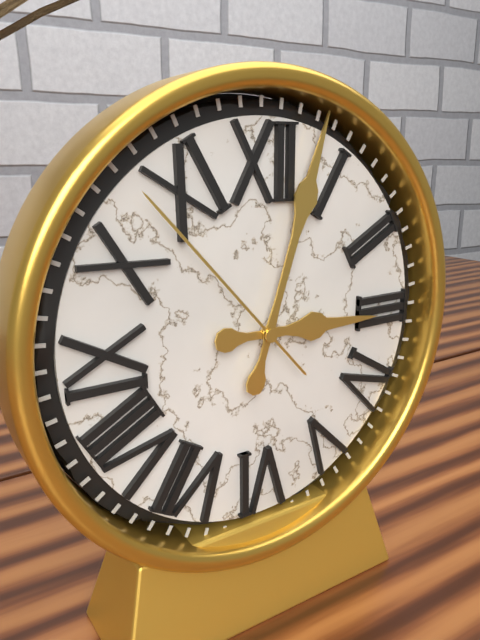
{"hour": 3, "minute": 3, "second": 53}
